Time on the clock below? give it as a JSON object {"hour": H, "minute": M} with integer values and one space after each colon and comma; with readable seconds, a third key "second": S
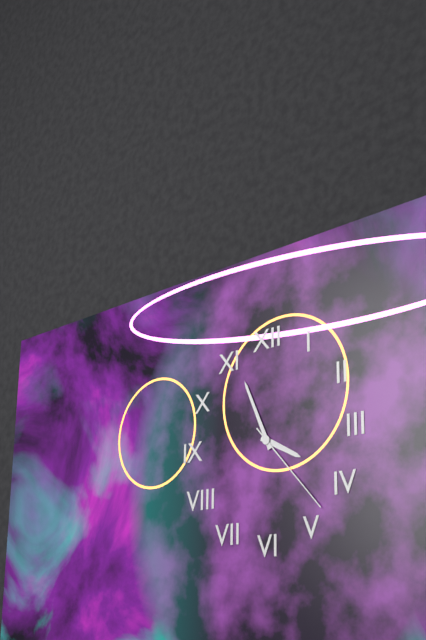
{"hour": 3, "minute": 56, "second": 23}
